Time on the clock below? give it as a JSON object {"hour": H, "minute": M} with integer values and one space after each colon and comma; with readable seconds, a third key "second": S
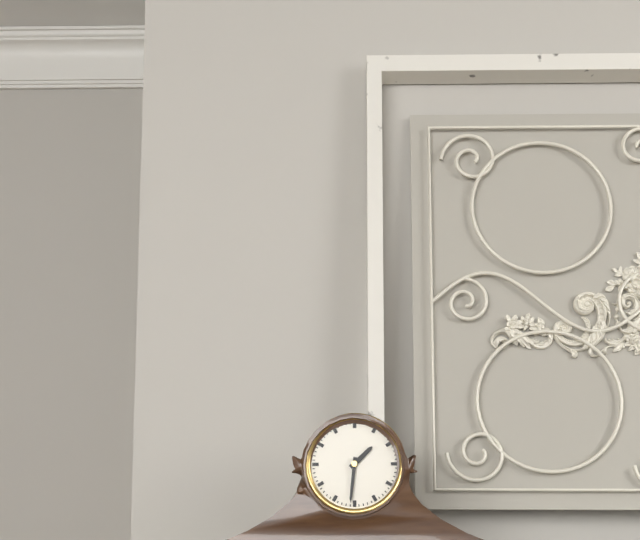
{"hour": 1, "minute": 31}
